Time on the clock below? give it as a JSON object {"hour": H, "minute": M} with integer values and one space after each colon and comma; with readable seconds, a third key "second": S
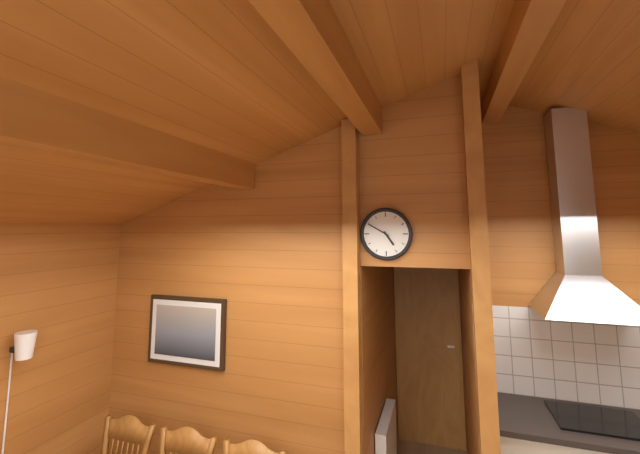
{"hour": 4, "minute": 50}
